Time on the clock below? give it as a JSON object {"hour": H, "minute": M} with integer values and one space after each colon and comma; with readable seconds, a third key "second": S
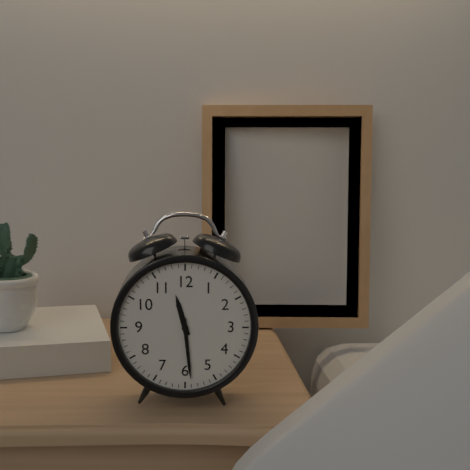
{"hour": 11, "minute": 29}
